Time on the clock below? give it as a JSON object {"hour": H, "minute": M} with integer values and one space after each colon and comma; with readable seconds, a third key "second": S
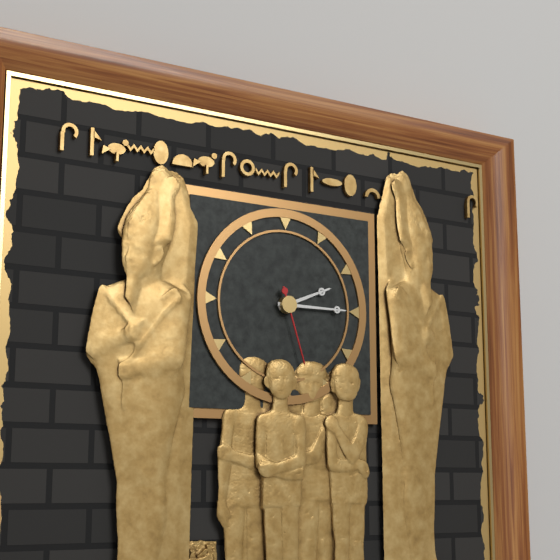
{"hour": 2, "minute": 15, "second": 27}
